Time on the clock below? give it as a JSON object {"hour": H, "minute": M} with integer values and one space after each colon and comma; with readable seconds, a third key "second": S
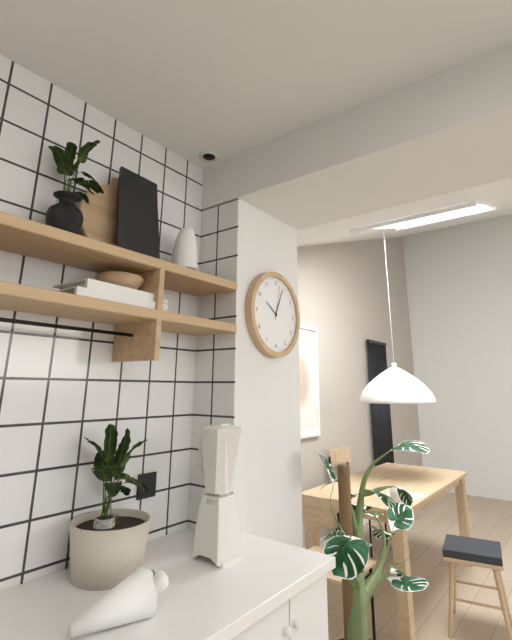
{"hour": 10, "minute": 4}
